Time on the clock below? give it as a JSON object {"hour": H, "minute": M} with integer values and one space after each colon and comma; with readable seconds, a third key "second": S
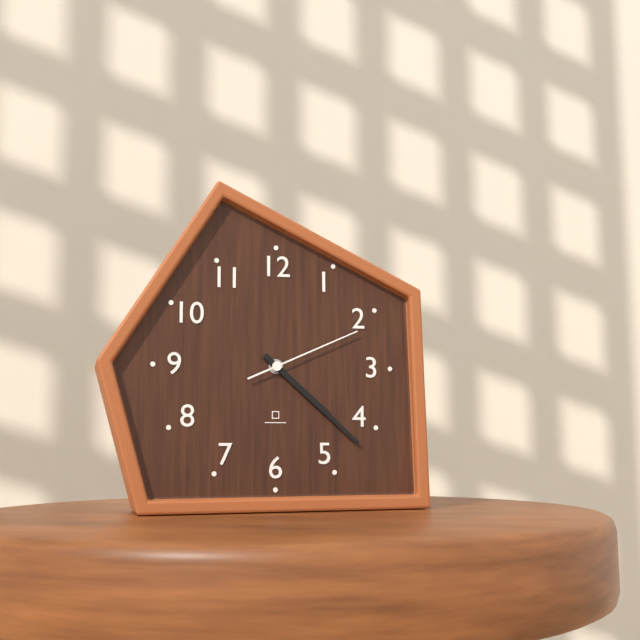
{"hour": 4, "minute": 22, "second": 11}
